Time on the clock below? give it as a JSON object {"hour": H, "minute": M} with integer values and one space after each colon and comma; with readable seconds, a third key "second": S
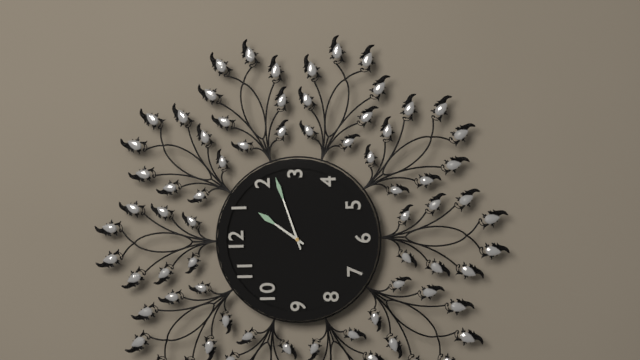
{"hour": 1, "minute": 12}
